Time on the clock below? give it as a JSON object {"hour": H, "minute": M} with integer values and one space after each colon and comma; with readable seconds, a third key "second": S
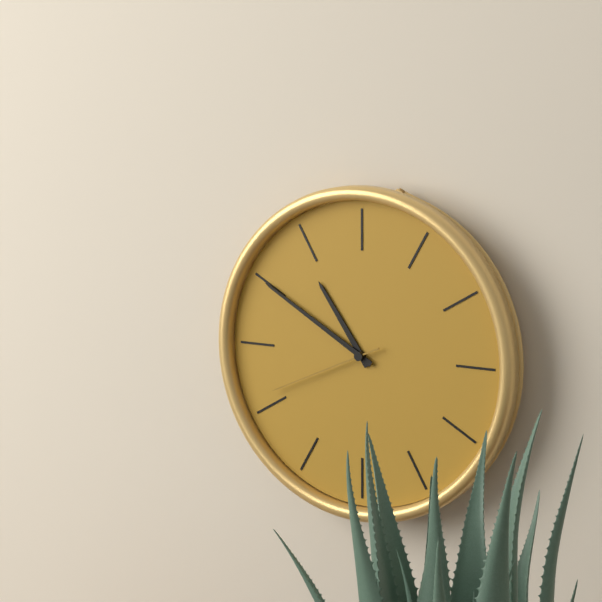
{"hour": 10, "minute": 50, "second": 41}
